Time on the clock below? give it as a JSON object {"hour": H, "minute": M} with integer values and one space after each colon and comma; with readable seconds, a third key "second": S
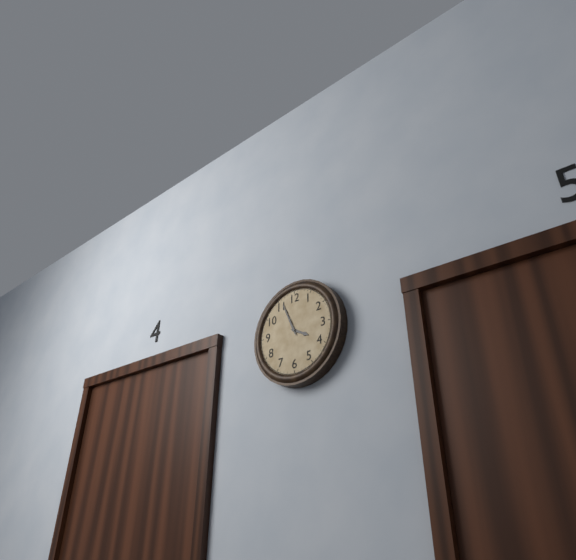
{"hour": 3, "minute": 56}
